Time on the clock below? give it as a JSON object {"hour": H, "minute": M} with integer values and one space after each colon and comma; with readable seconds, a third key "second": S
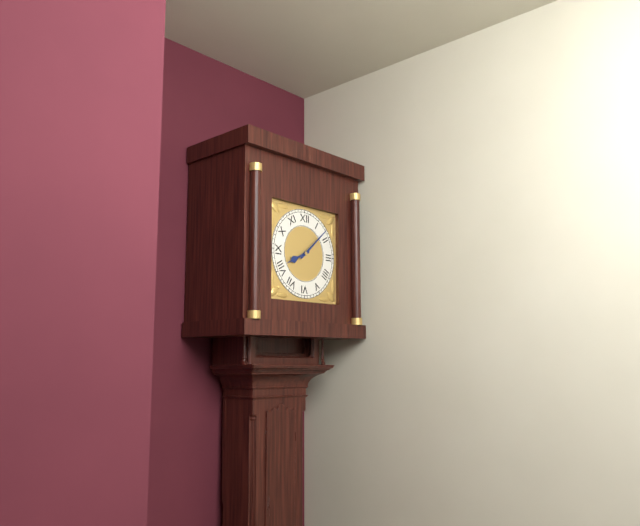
{"hour": 8, "minute": 8}
